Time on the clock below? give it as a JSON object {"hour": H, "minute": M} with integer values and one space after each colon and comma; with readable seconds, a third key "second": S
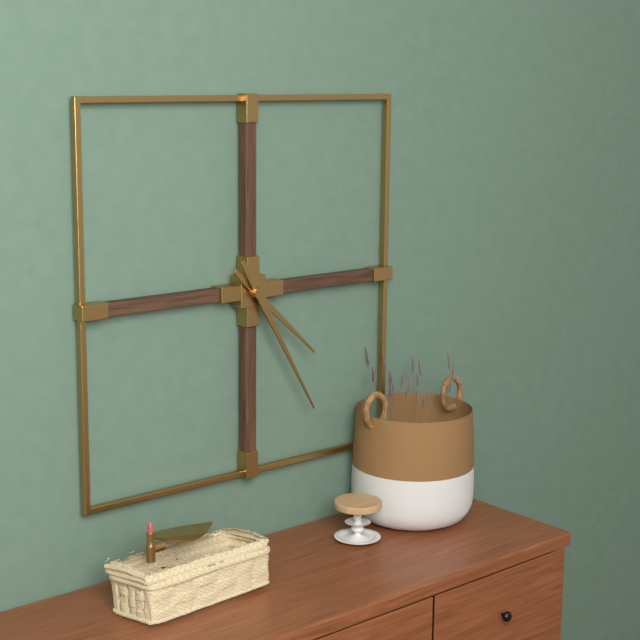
{"hour": 4, "minute": 25}
